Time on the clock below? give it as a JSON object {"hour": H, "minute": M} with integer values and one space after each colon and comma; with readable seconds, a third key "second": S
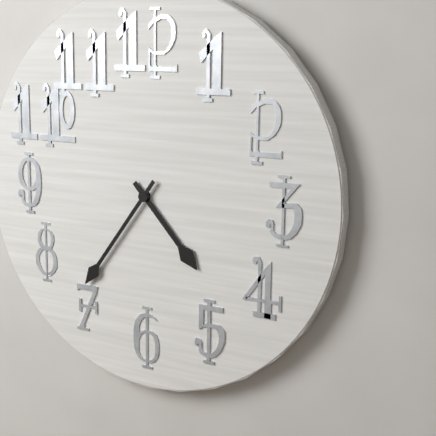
{"hour": 4, "minute": 36}
